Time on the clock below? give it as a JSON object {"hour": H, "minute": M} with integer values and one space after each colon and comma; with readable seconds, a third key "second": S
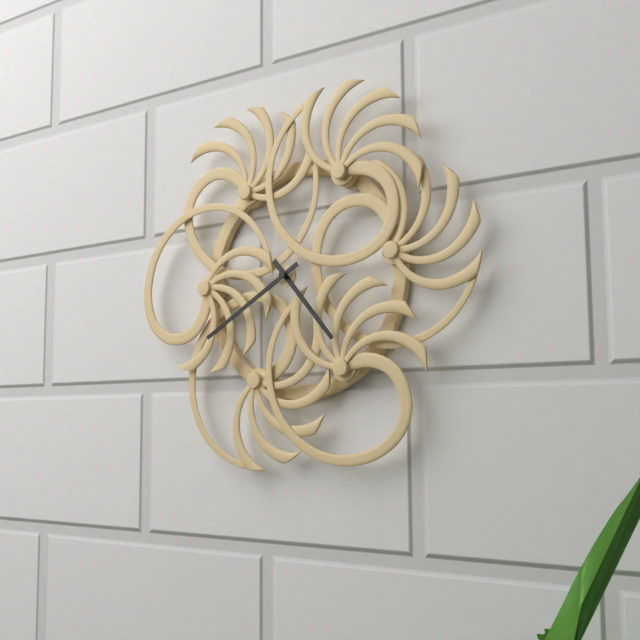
{"hour": 4, "minute": 40}
